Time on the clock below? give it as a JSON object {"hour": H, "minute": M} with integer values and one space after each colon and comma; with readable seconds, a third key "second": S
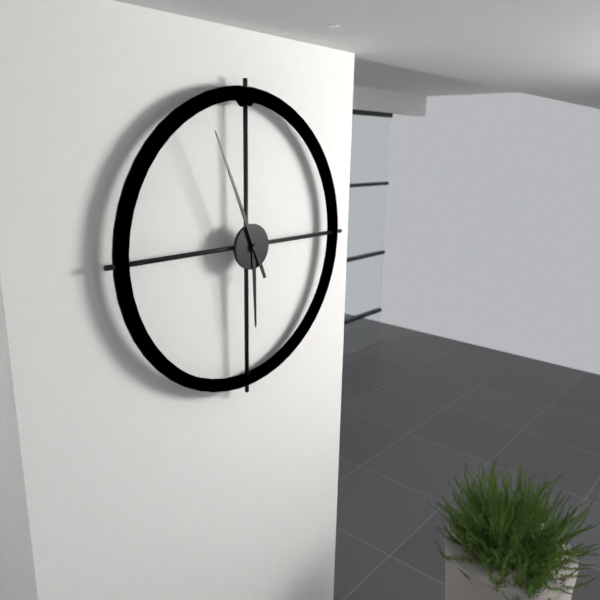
{"hour": 5, "minute": 56}
